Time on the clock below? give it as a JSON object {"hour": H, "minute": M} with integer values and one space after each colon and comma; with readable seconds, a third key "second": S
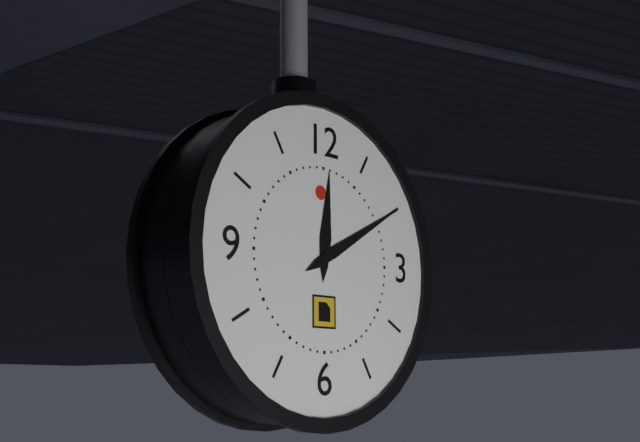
{"hour": 12, "minute": 10}
